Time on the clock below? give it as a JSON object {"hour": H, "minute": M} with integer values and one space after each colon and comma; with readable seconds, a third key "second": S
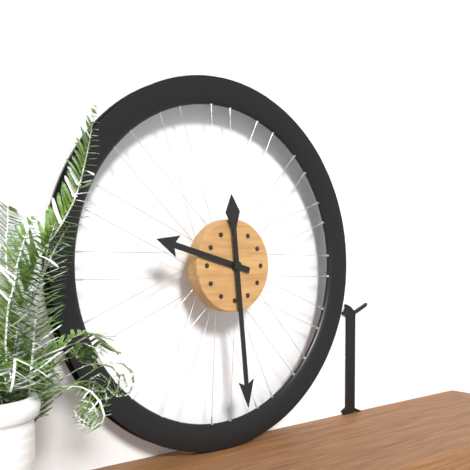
{"hour": 9, "minute": 29}
